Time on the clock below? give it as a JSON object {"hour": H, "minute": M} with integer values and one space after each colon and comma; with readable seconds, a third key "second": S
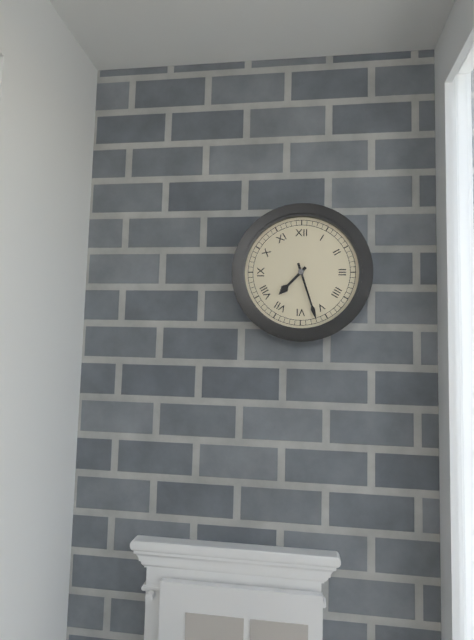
{"hour": 7, "minute": 27}
